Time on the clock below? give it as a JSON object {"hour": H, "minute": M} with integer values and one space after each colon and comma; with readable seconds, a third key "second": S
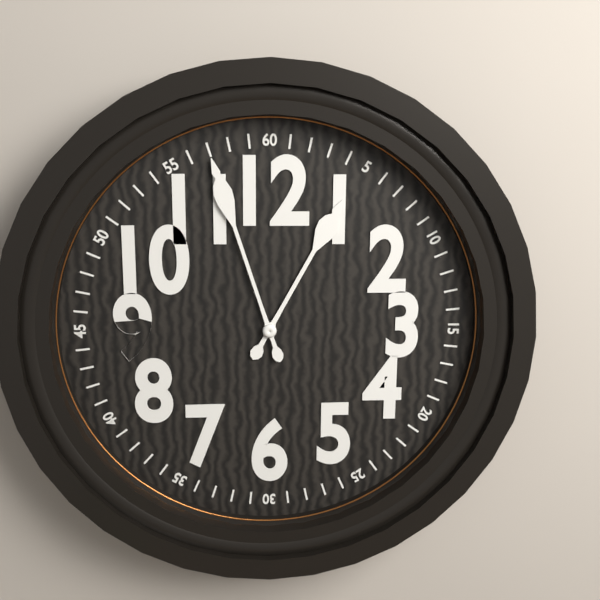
{"hour": 12, "minute": 57}
